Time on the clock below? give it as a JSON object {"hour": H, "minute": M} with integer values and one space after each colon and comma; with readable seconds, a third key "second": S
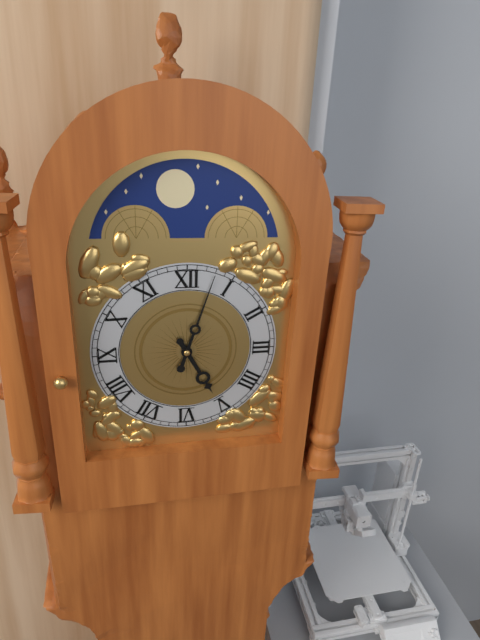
{"hour": 5, "minute": 3}
